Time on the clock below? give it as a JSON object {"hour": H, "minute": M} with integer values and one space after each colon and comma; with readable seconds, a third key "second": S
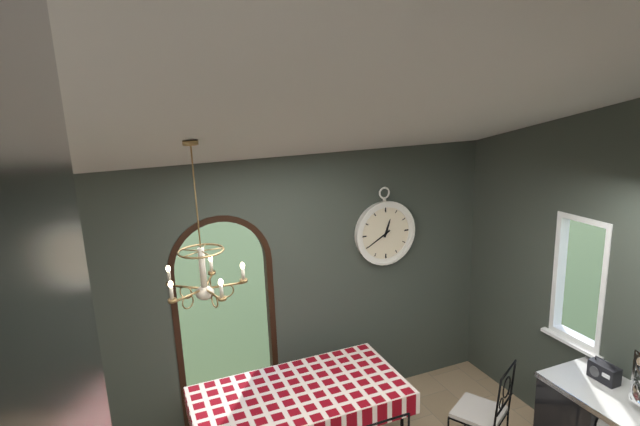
{"hour": 12, "minute": 40}
